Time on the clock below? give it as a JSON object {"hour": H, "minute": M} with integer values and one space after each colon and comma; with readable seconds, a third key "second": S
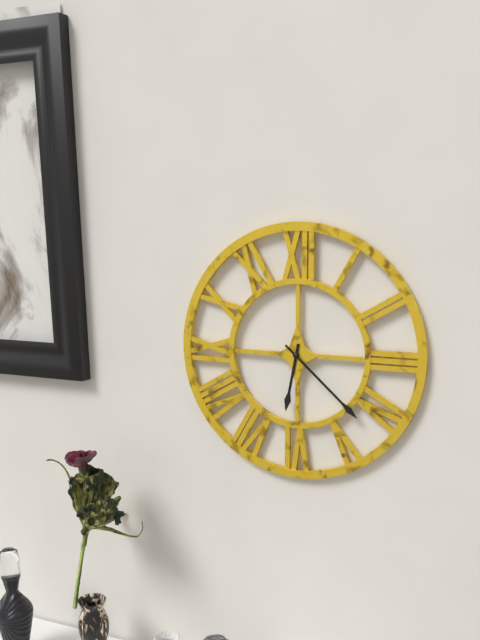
{"hour": 6, "minute": 22}
